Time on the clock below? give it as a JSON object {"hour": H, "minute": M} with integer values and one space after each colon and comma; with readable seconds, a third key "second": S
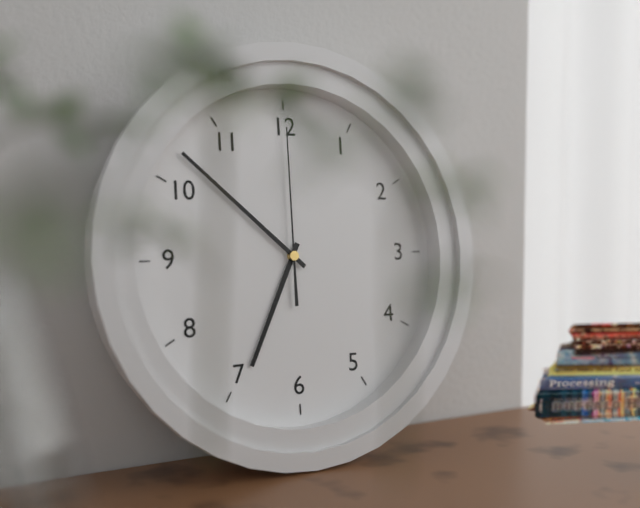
{"hour": 6, "minute": 52, "second": 0}
